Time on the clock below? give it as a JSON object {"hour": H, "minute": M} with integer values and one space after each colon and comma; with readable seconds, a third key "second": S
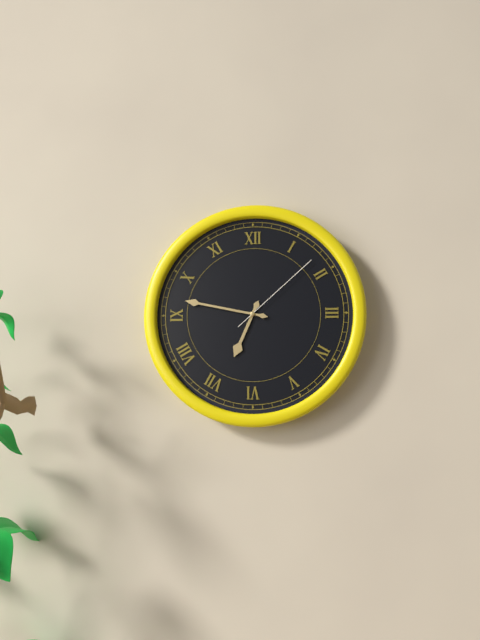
{"hour": 6, "minute": 47, "second": 8}
